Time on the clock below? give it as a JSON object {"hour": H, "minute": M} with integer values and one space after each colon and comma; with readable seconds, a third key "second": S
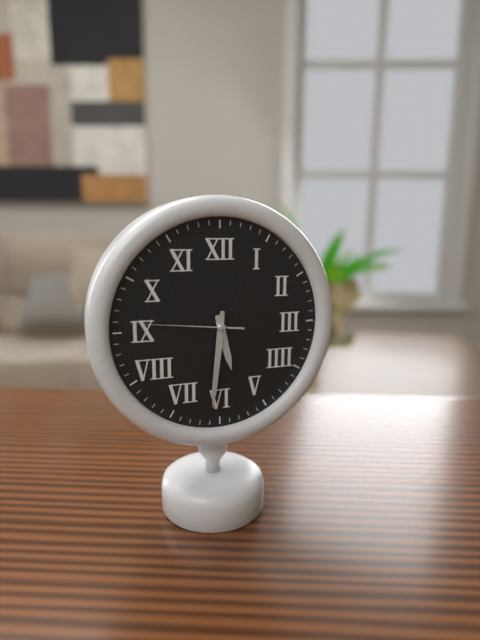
{"hour": 5, "minute": 31, "second": 46}
